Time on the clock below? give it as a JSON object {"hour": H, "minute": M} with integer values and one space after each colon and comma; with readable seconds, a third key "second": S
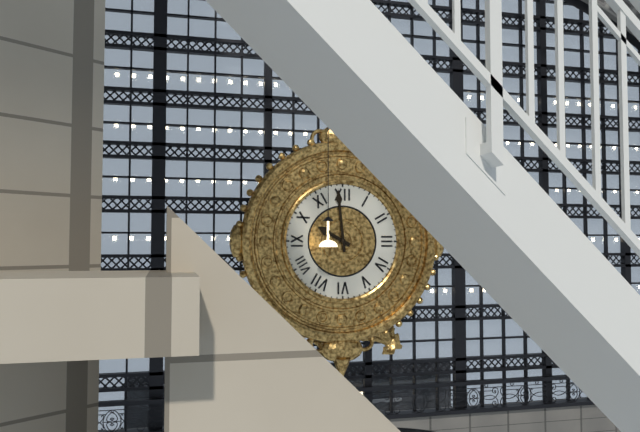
{"hour": 9, "minute": 59}
